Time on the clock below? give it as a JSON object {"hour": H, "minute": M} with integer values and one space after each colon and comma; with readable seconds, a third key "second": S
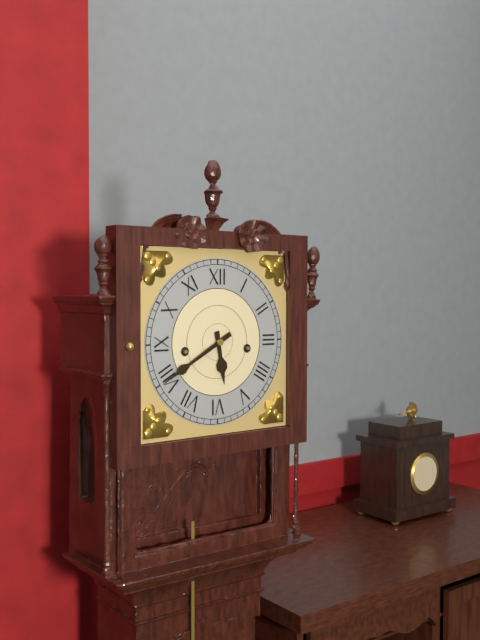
{"hour": 5, "minute": 40}
